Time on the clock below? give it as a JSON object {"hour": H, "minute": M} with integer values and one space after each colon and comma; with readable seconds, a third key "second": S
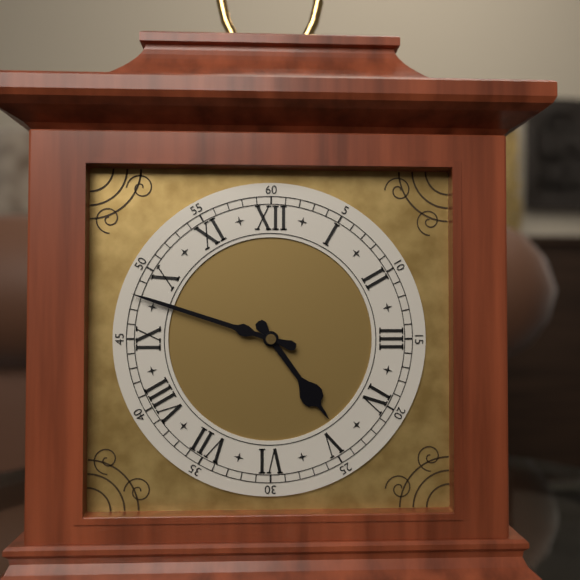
{"hour": 4, "minute": 48}
